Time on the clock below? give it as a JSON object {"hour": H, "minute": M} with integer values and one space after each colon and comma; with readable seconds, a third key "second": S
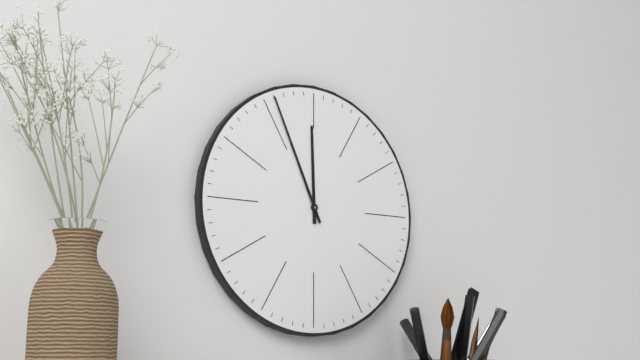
{"hour": 11, "minute": 56}
